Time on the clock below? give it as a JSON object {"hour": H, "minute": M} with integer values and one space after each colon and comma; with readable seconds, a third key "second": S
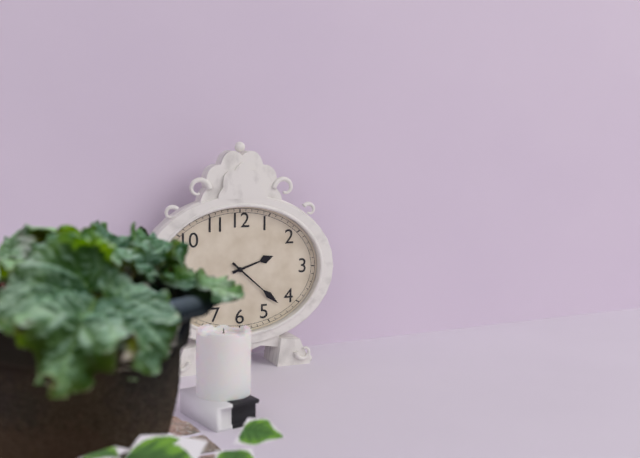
{"hour": 2, "minute": 22}
